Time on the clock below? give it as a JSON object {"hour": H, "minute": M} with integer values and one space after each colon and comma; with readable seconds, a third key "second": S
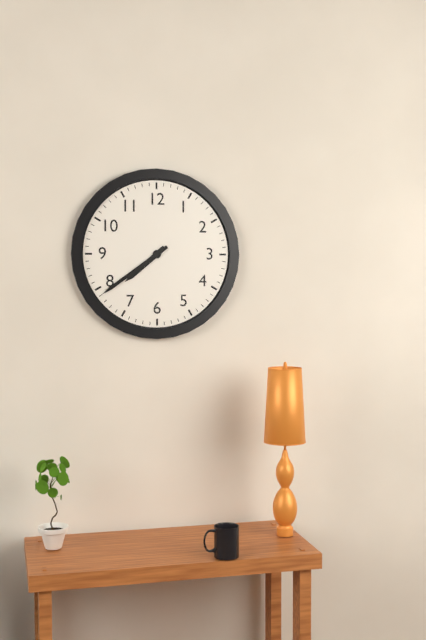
{"hour": 7, "minute": 39}
